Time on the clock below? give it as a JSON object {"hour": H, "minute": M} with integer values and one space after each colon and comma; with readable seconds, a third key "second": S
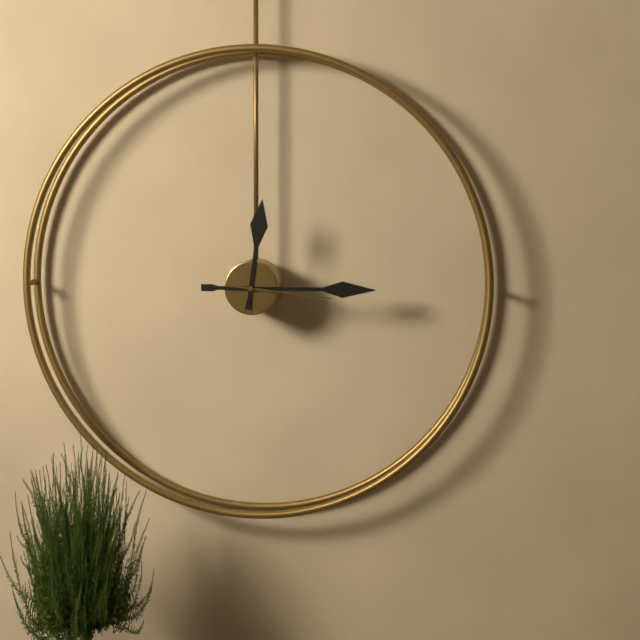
{"hour": 12, "minute": 15, "second": 16}
